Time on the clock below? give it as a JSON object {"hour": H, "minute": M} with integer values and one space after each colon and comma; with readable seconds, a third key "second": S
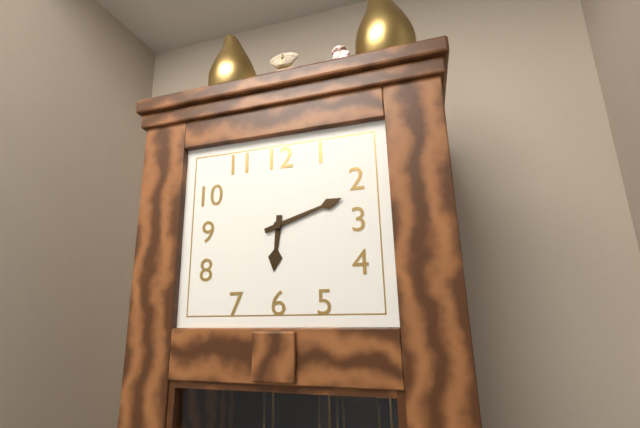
{"hour": 6, "minute": 12}
